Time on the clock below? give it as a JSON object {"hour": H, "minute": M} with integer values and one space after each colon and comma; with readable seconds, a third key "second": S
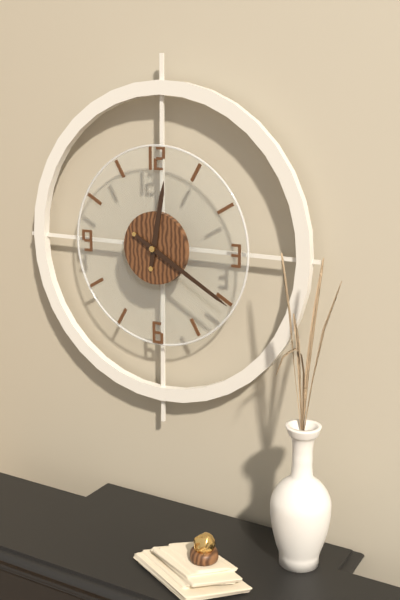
{"hour": 12, "minute": 20}
